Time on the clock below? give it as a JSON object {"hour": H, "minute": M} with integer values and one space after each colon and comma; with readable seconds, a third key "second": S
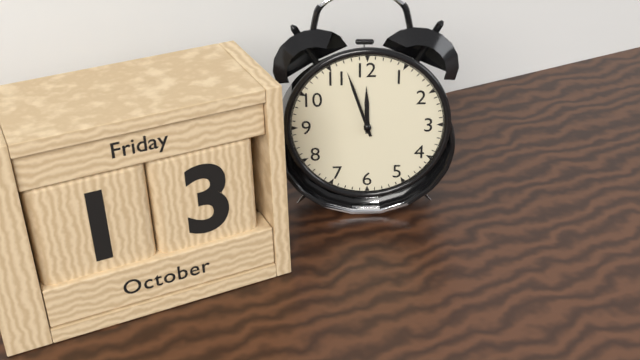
{"hour": 11, "minute": 57}
